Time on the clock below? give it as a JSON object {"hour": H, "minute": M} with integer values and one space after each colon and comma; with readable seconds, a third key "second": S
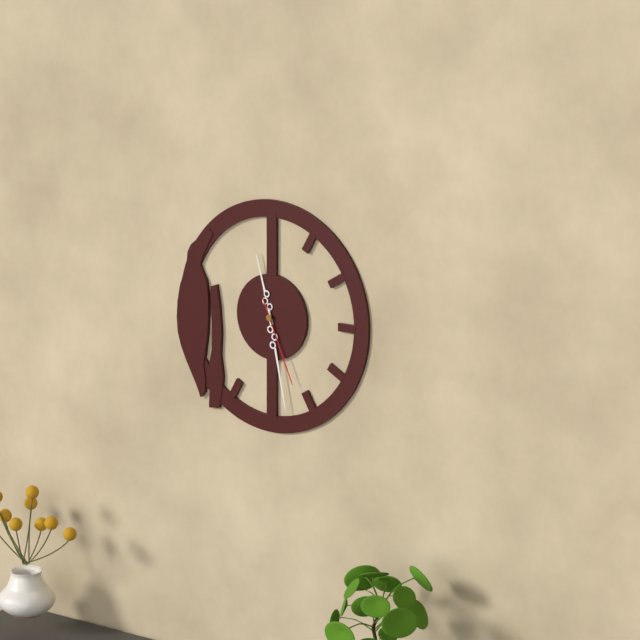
{"hour": 11, "minute": 28, "second": 26}
